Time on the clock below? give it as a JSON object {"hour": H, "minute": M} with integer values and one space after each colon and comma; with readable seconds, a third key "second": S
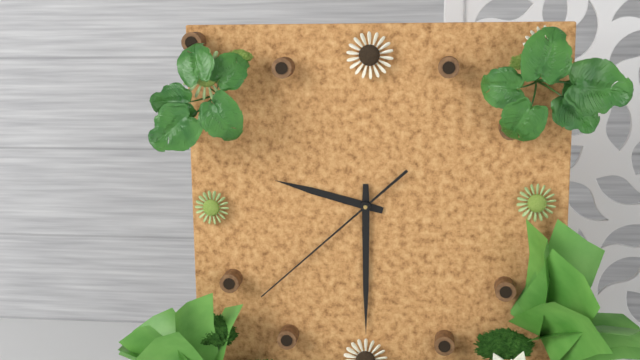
{"hour": 9, "minute": 30, "second": 38}
